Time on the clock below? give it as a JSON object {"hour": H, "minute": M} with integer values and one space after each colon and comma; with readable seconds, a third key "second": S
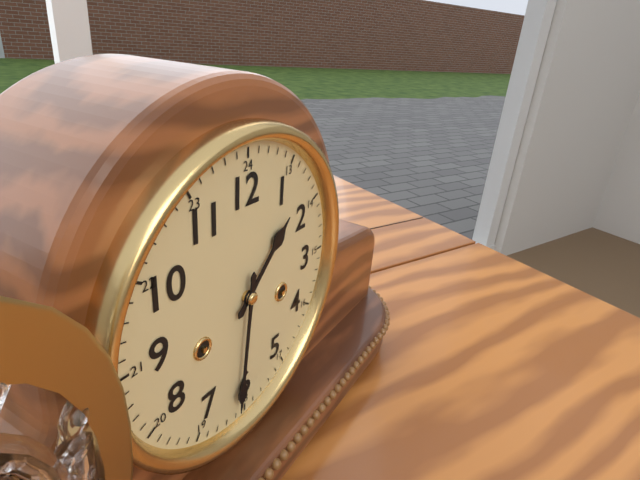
{"hour": 1, "minute": 31}
